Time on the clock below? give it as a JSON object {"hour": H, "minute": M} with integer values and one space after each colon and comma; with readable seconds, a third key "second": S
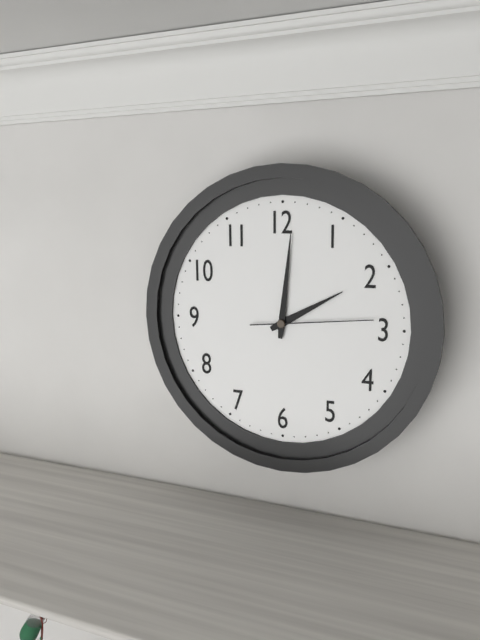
{"hour": 2, "minute": 1, "second": 14}
